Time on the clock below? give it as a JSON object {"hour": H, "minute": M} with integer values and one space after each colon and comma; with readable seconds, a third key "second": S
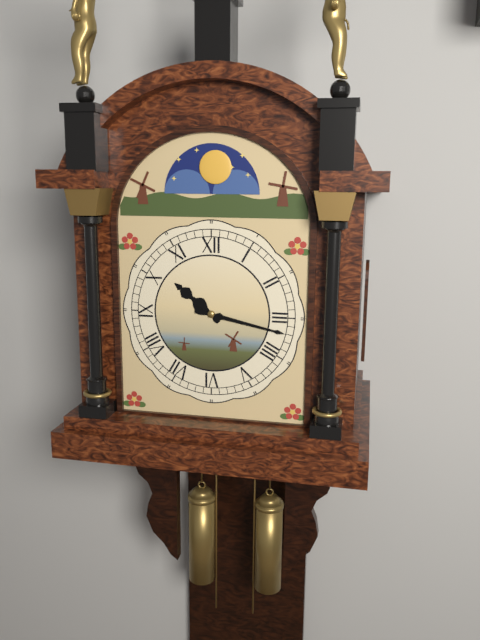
{"hour": 10, "minute": 17}
